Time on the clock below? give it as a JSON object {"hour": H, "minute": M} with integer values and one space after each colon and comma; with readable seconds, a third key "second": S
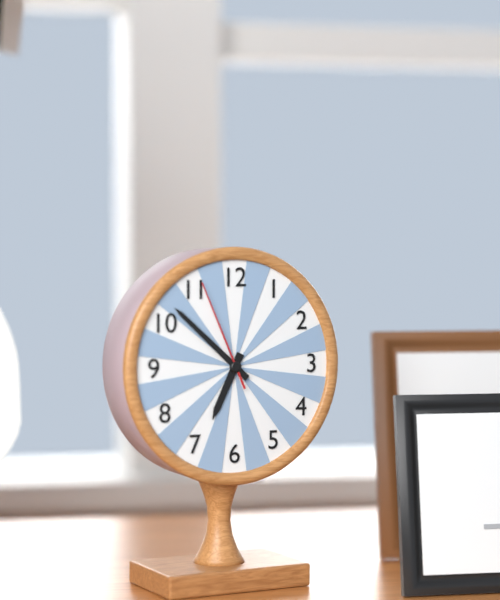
{"hour": 6, "minute": 52, "second": 56}
